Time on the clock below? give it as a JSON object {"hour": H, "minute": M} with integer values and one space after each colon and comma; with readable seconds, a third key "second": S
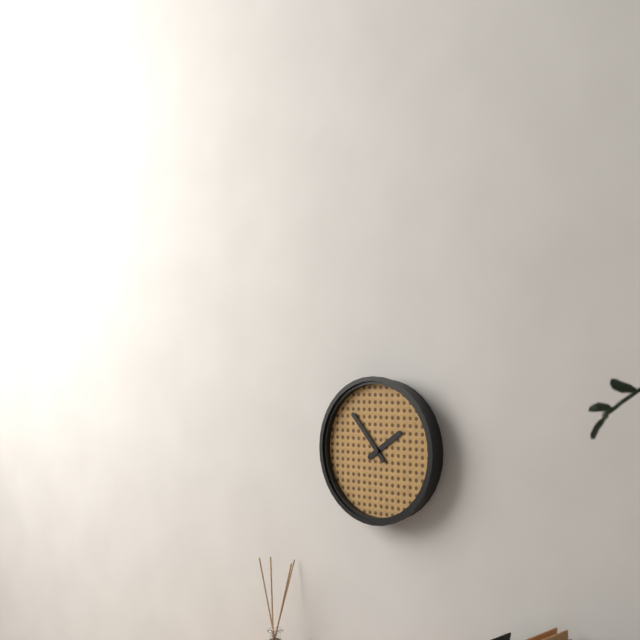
{"hour": 1, "minute": 53}
